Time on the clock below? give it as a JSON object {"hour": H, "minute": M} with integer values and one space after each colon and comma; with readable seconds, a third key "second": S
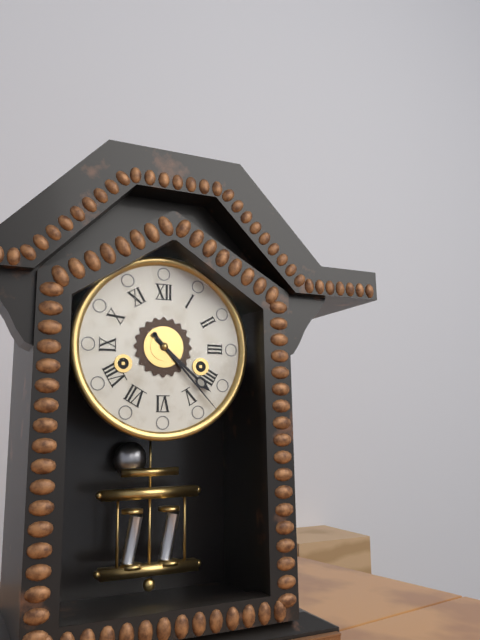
{"hour": 4, "minute": 23}
